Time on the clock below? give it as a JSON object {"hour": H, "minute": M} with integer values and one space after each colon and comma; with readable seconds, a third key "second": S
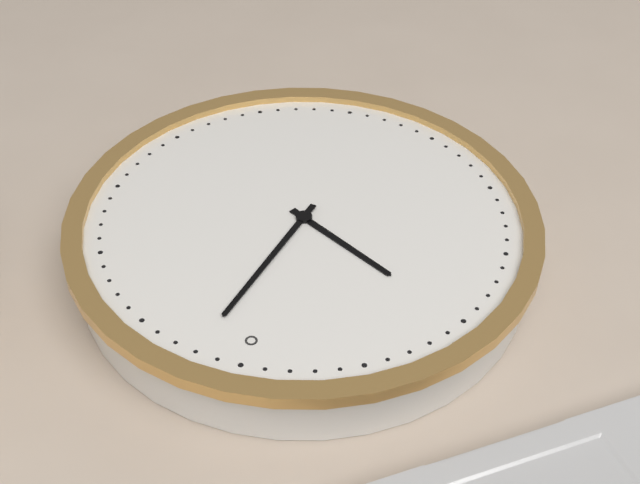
{"hour": 10, "minute": 2}
